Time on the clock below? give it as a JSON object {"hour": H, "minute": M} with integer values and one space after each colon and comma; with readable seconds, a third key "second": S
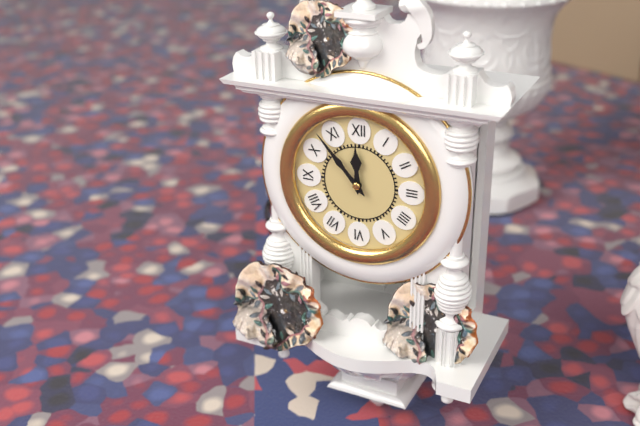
{"hour": 11, "minute": 53}
